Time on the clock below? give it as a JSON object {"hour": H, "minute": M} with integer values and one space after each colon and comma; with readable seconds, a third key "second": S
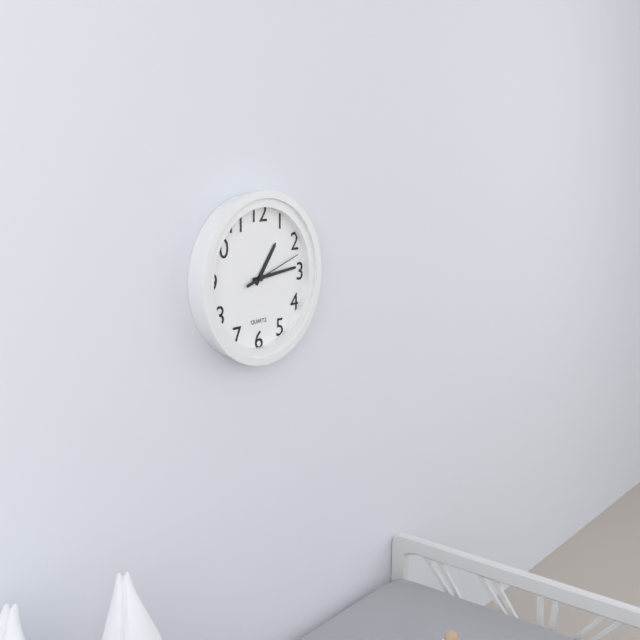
{"hour": 1, "minute": 14, "second": 12}
